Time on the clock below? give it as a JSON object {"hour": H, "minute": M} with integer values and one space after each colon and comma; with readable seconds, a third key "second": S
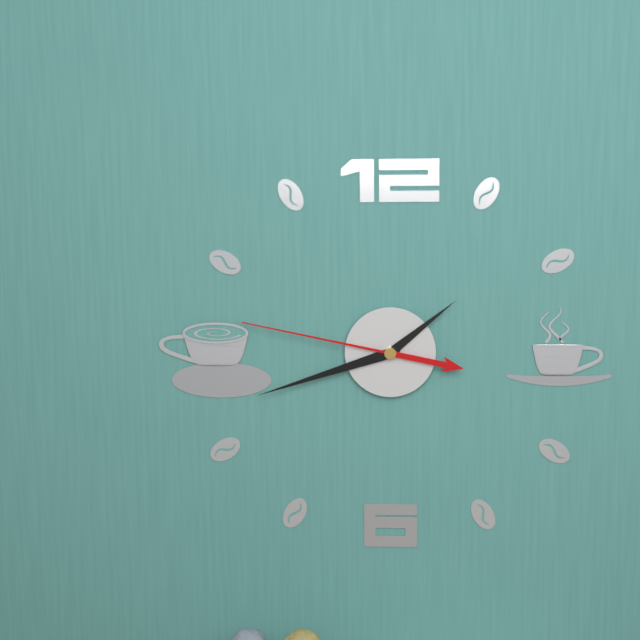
{"hour": 1, "minute": 42, "second": 47}
